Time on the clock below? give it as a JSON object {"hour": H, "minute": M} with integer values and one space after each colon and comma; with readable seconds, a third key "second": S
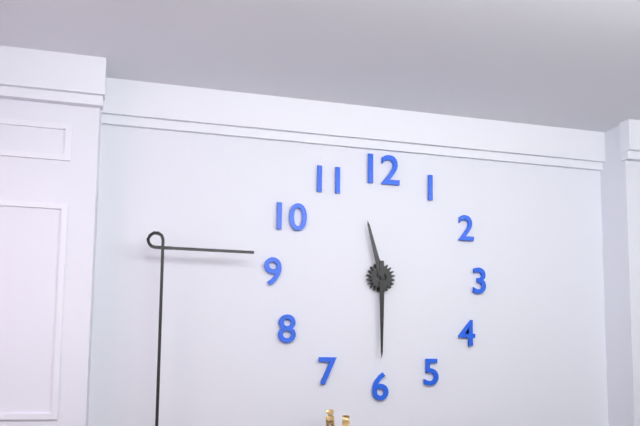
{"hour": 11, "minute": 30}
